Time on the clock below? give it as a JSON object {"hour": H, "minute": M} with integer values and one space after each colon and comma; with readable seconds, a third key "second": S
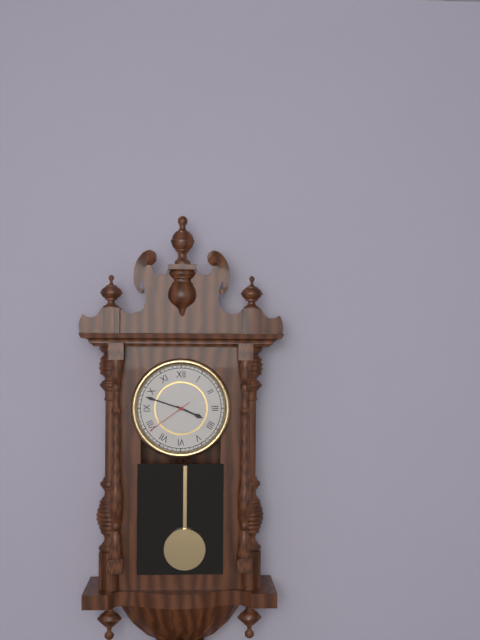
{"hour": 3, "minute": 48}
